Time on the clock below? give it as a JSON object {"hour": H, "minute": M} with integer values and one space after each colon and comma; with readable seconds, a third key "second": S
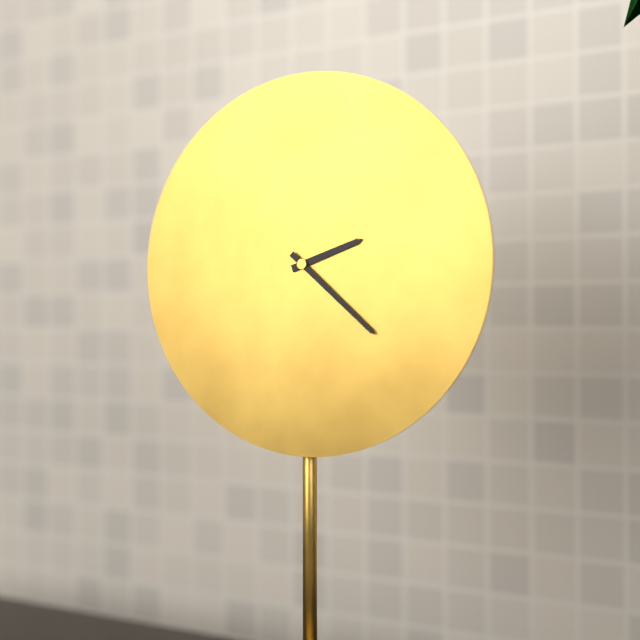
{"hour": 2, "minute": 22}
